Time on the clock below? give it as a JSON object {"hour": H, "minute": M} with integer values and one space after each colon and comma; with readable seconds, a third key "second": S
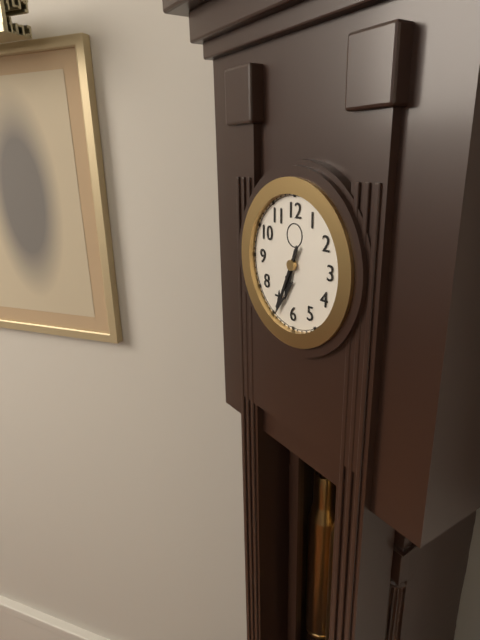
{"hour": 6, "minute": 34}
